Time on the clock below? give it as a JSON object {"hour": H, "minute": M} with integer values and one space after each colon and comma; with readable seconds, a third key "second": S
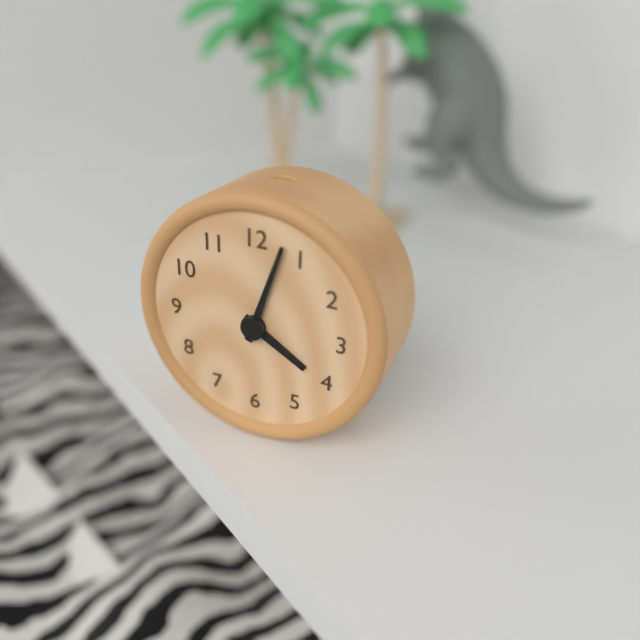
{"hour": 4, "minute": 3}
